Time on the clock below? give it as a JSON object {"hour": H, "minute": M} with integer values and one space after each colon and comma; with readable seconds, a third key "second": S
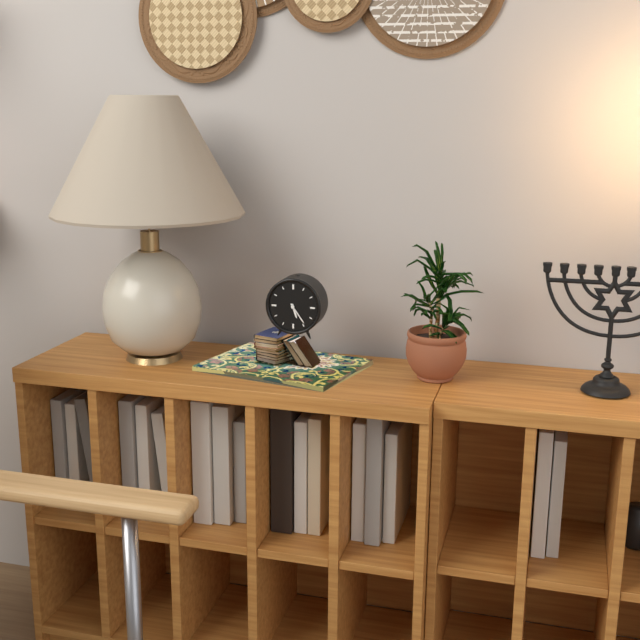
{"hour": 5, "minute": 24}
